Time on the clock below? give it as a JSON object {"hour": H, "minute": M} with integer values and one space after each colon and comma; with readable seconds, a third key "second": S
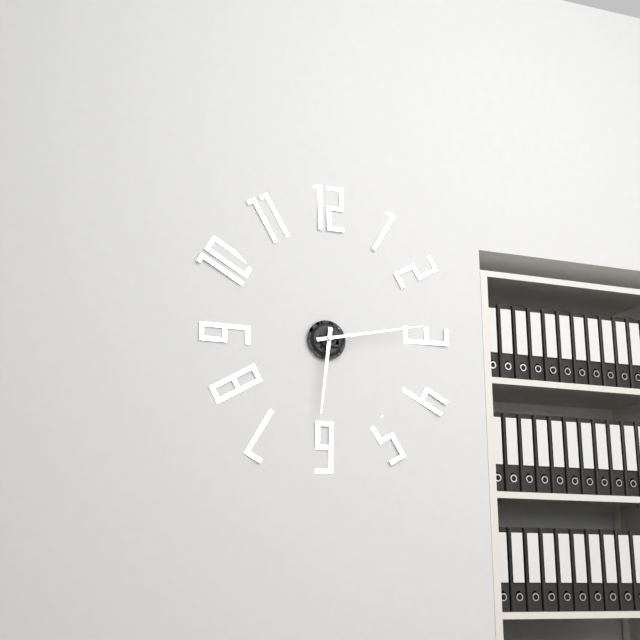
{"hour": 6, "minute": 13}
